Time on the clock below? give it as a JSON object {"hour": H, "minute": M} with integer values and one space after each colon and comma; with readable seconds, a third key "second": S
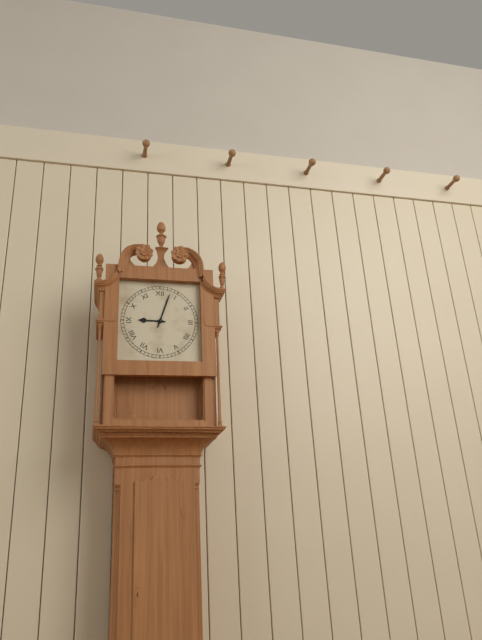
{"hour": 9, "minute": 3}
